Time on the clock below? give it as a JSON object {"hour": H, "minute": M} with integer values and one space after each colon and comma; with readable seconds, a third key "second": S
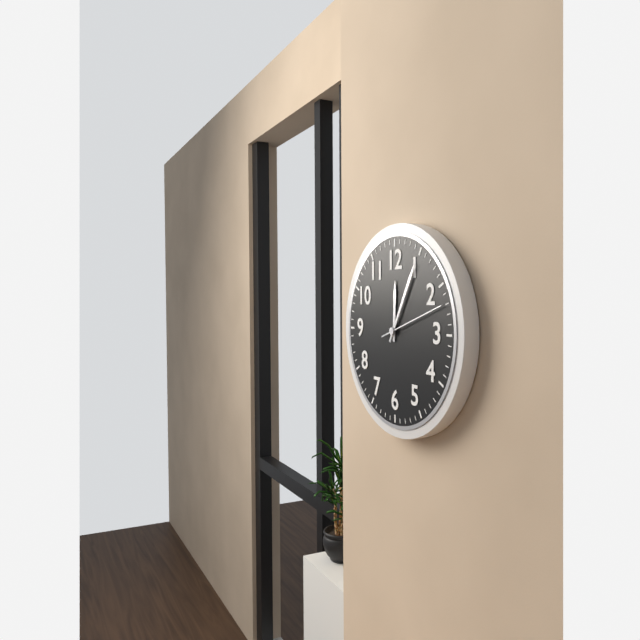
{"hour": 12, "minute": 5, "second": 12}
